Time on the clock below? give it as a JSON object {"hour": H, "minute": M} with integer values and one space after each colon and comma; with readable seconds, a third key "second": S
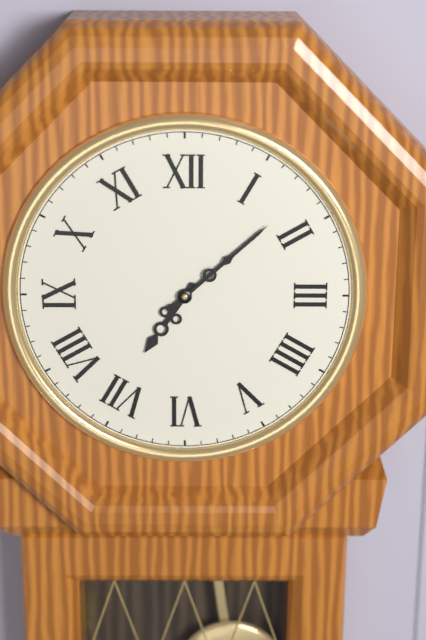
{"hour": 7, "minute": 8}
